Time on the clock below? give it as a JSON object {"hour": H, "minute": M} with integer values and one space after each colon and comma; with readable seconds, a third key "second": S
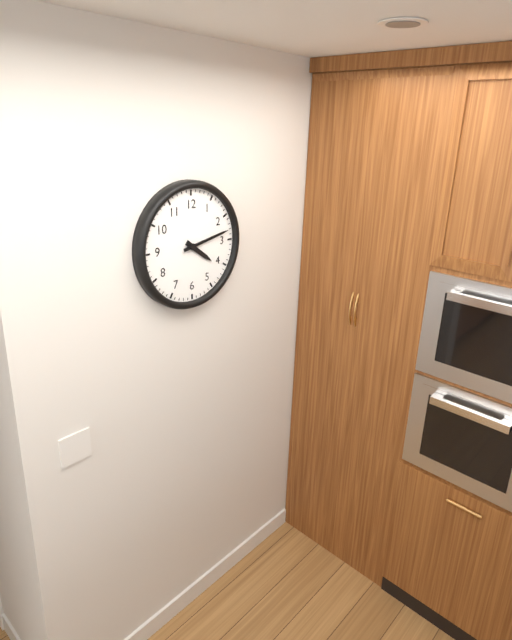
{"hour": 4, "minute": 13}
